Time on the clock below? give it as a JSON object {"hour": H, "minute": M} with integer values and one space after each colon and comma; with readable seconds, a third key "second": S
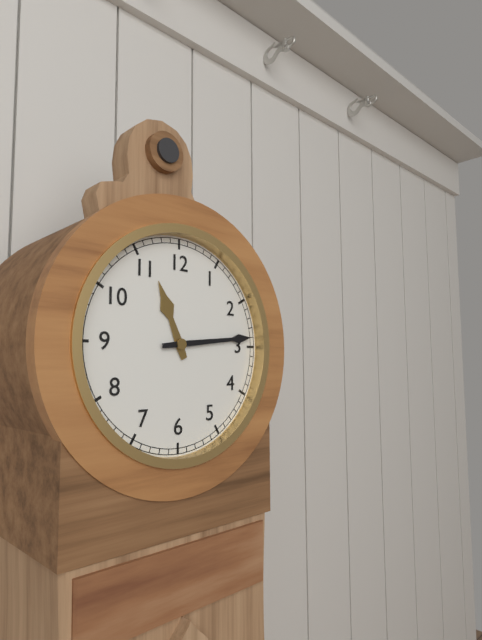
{"hour": 11, "minute": 14}
